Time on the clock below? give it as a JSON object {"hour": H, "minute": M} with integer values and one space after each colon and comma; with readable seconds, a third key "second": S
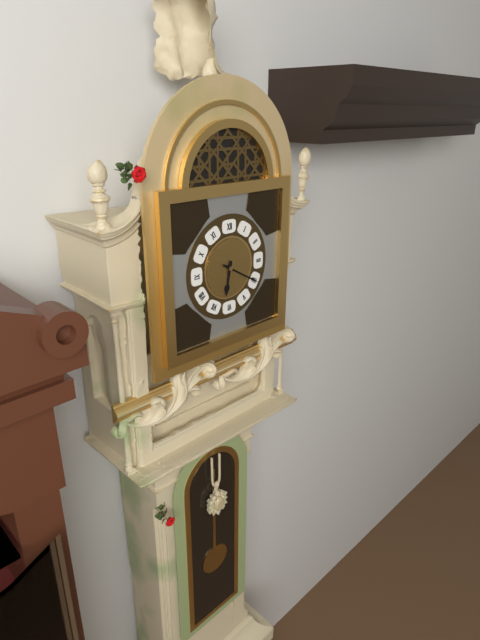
{"hour": 6, "minute": 20}
